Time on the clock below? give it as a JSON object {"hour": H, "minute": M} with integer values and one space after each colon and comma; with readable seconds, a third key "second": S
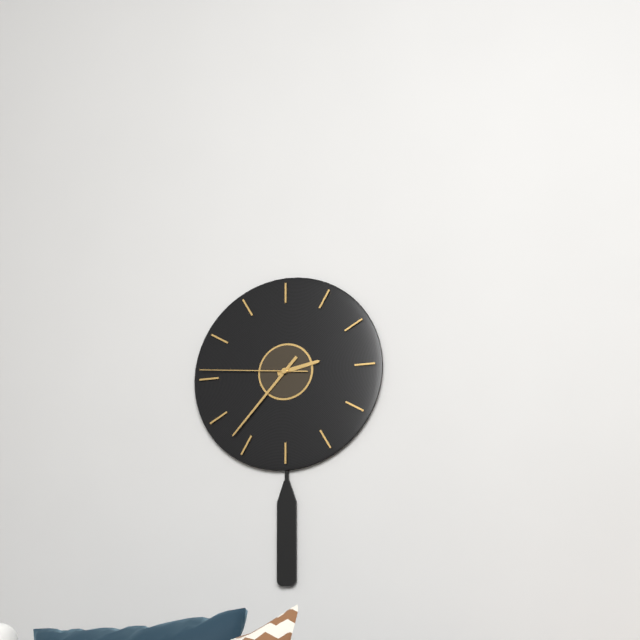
{"hour": 2, "minute": 37, "second": 46}
